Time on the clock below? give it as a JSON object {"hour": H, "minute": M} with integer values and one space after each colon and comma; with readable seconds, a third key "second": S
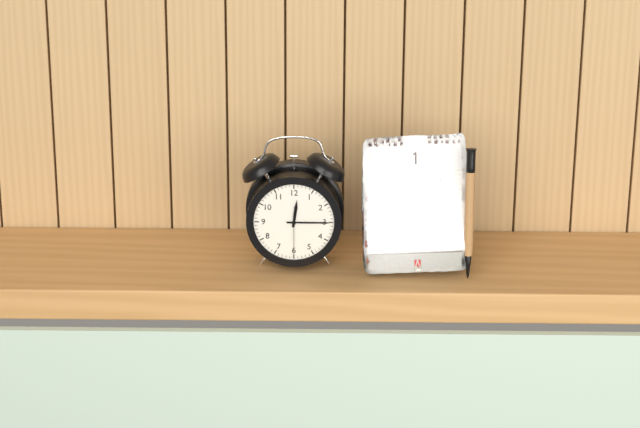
{"hour": 12, "minute": 15}
